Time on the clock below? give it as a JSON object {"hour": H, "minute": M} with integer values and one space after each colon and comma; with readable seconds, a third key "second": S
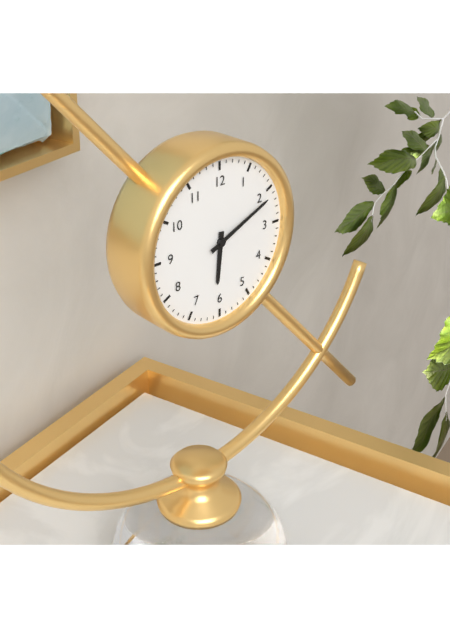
{"hour": 6, "minute": 11}
